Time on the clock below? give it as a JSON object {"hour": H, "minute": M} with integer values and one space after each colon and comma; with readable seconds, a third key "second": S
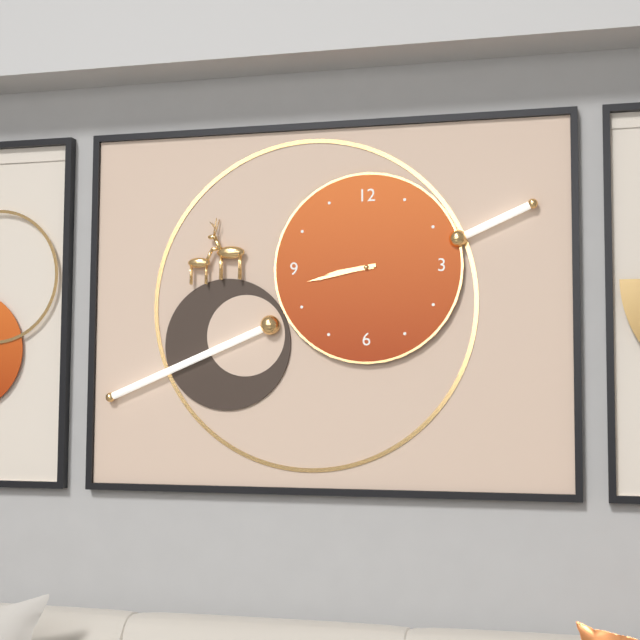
{"hour": 8, "minute": 43}
